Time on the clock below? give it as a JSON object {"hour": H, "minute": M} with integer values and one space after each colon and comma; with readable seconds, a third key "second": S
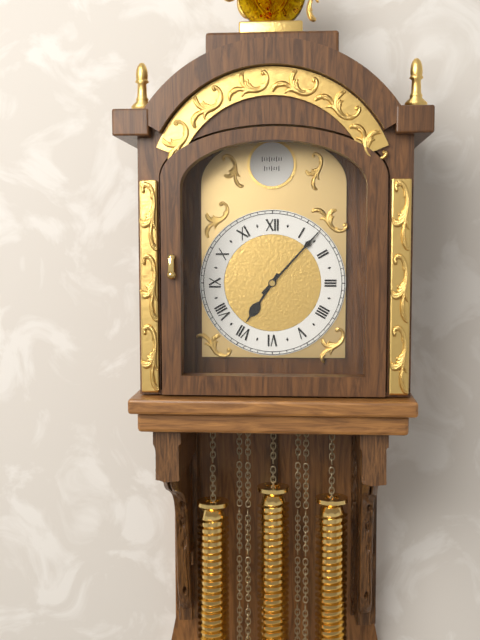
{"hour": 7, "minute": 7}
